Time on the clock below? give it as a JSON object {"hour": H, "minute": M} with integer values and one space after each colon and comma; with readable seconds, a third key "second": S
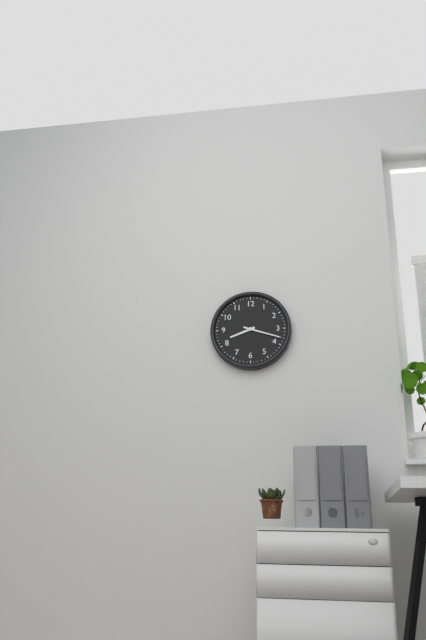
{"hour": 8, "minute": 18}
